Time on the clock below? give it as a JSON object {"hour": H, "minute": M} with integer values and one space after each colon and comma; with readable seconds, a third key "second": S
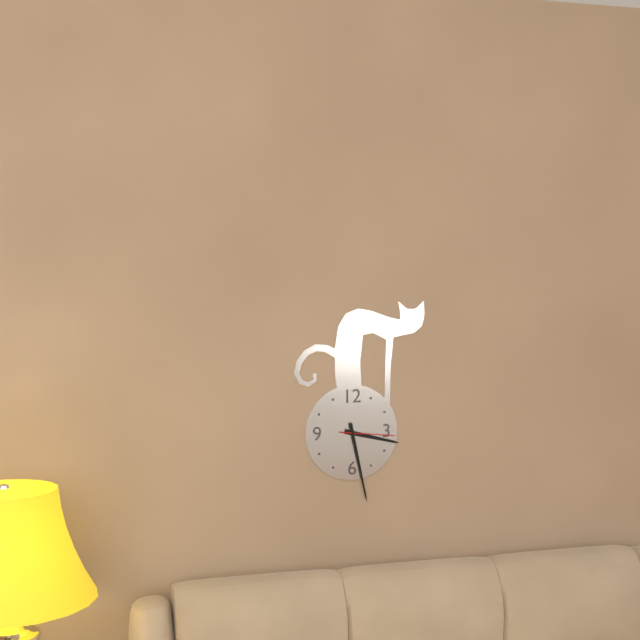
{"hour": 3, "minute": 28, "second": 16}
